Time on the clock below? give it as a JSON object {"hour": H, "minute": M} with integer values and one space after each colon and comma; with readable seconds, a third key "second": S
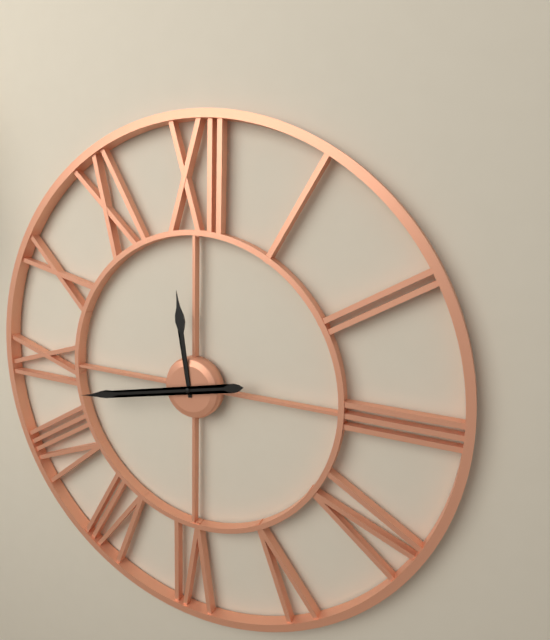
{"hour": 11, "minute": 43}
